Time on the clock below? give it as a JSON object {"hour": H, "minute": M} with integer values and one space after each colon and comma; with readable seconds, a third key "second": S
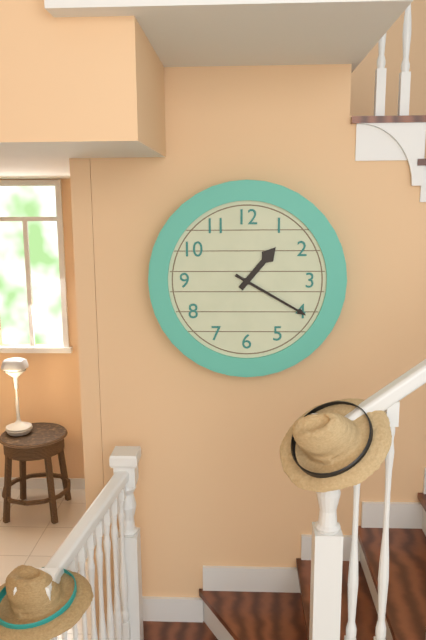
{"hour": 1, "minute": 20}
